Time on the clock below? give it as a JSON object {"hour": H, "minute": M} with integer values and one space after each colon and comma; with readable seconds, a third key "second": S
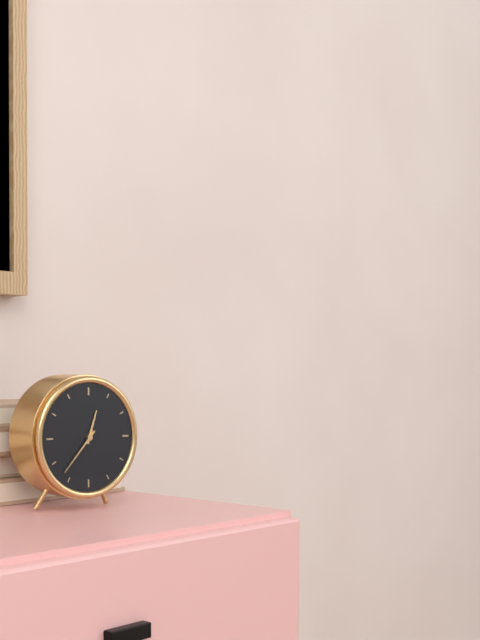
{"hour": 12, "minute": 37}
